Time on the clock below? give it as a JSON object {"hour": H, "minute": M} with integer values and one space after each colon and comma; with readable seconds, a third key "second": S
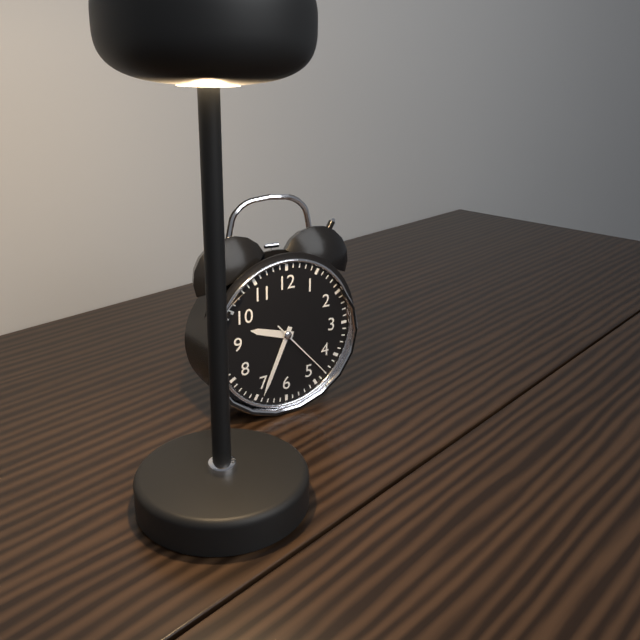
{"hour": 9, "minute": 34, "second": 23}
